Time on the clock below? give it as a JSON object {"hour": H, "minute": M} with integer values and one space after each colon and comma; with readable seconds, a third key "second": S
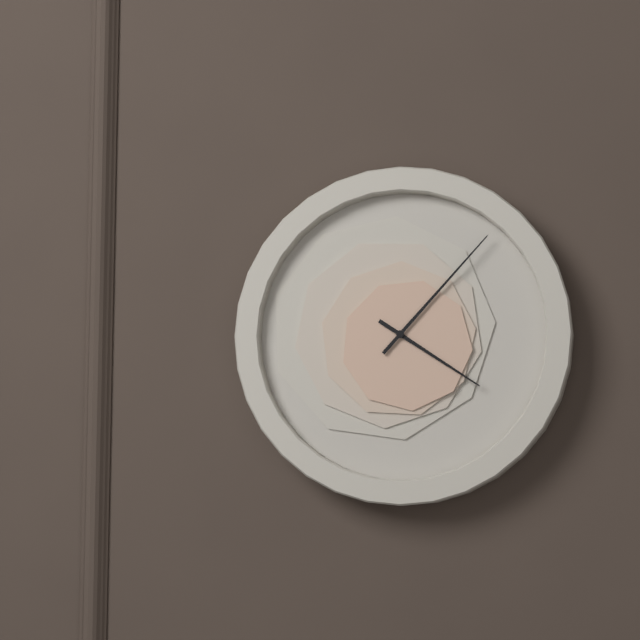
{"hour": 4, "minute": 7}
